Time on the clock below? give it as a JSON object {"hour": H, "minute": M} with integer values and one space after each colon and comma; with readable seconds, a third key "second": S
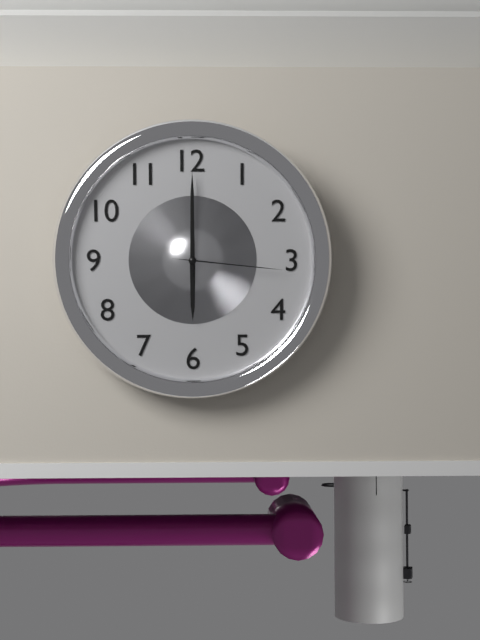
{"hour": 6, "minute": 0, "second": 16}
